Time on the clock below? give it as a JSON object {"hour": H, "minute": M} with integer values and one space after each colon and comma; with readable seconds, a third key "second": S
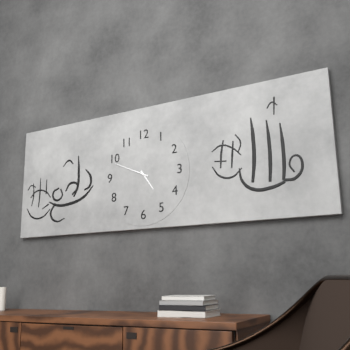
{"hour": 4, "minute": 49}
